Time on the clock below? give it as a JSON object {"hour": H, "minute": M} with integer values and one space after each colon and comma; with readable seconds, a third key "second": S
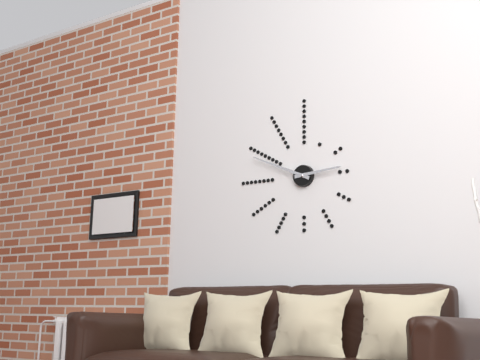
{"hour": 2, "minute": 49}
